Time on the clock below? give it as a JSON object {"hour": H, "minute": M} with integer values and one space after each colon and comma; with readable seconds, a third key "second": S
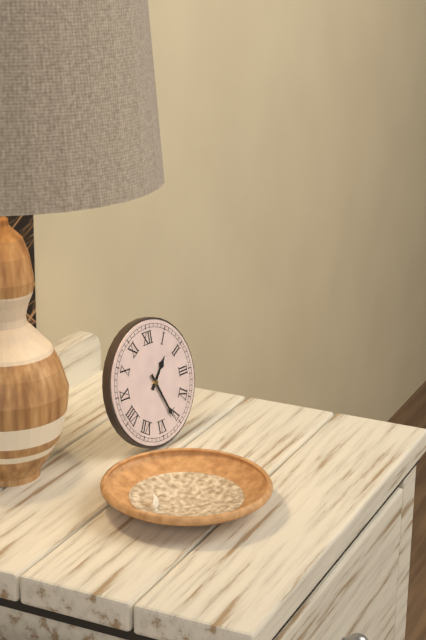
{"hour": 1, "minute": 26}
